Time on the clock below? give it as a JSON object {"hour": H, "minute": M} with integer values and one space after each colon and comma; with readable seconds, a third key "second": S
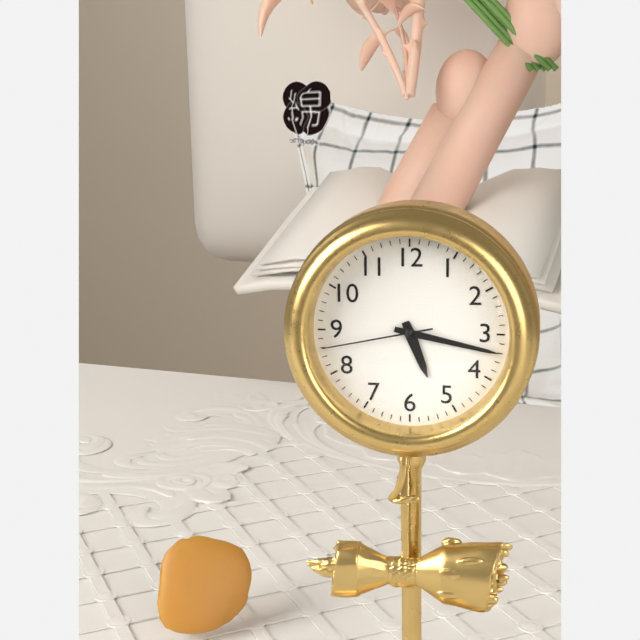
{"hour": 5, "minute": 17, "second": 43}
